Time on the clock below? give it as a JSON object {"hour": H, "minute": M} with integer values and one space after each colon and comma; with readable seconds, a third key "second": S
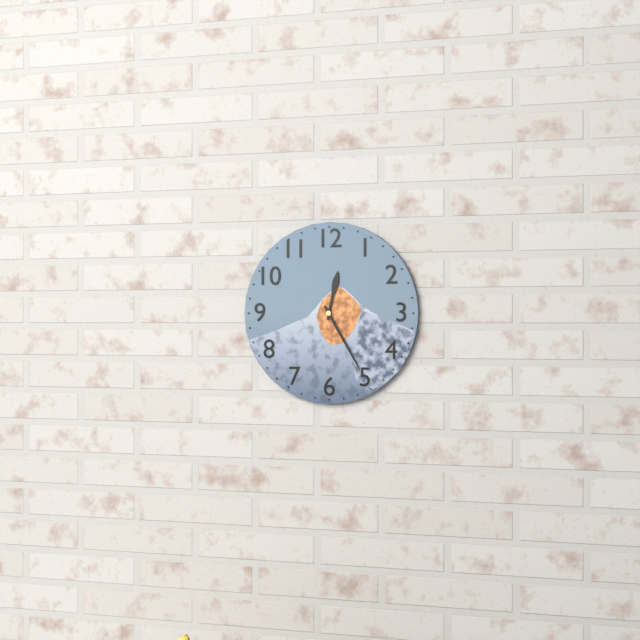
{"hour": 12, "minute": 25}
